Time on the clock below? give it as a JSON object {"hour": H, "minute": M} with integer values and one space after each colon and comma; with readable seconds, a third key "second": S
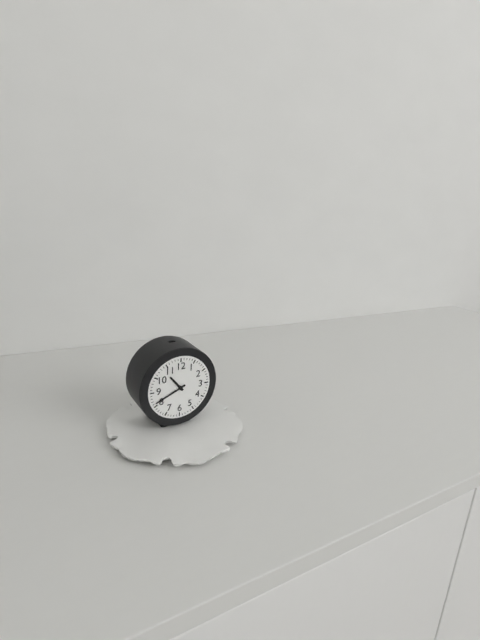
{"hour": 10, "minute": 41}
